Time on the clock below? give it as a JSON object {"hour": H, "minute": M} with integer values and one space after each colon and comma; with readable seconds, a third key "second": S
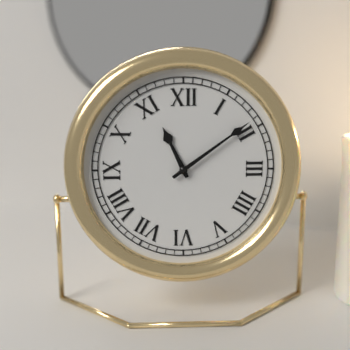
{"hour": 11, "minute": 9}
